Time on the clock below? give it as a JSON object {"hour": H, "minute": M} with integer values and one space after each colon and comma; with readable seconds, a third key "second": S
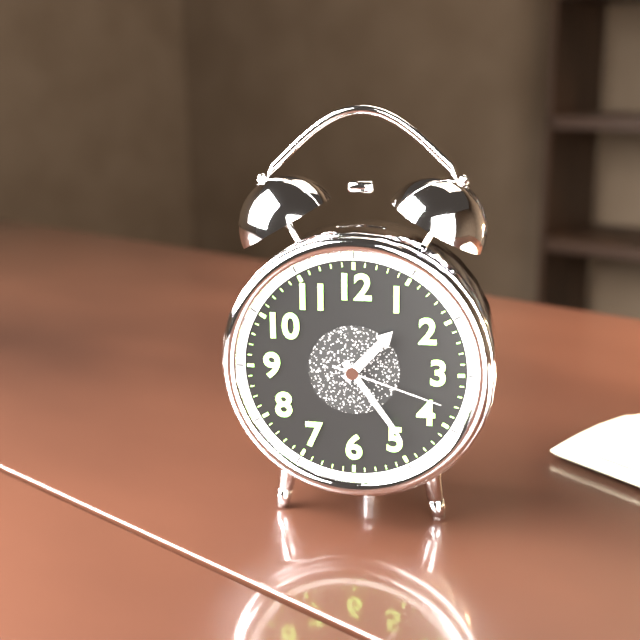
{"hour": 1, "minute": 24, "second": 18}
